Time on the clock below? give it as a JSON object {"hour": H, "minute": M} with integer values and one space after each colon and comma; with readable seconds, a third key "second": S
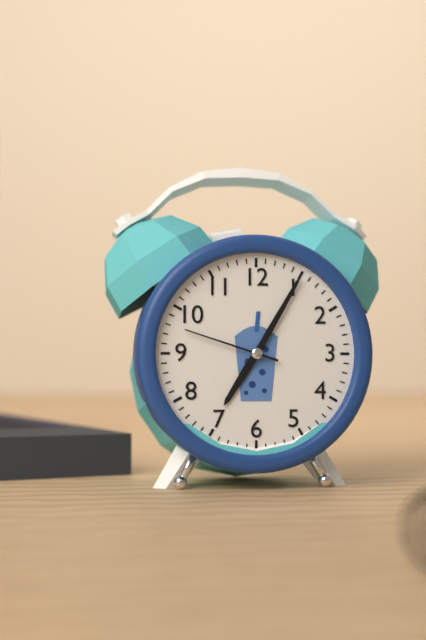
{"hour": 7, "minute": 5, "second": 48}
